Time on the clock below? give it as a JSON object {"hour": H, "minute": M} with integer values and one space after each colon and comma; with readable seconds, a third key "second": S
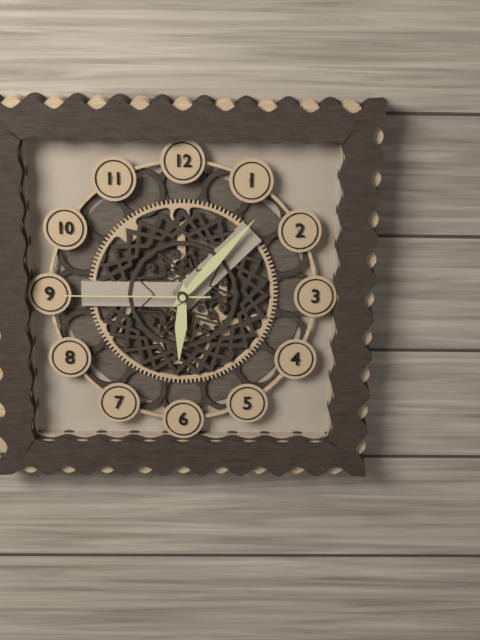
{"hour": 6, "minute": 7, "second": 45}
